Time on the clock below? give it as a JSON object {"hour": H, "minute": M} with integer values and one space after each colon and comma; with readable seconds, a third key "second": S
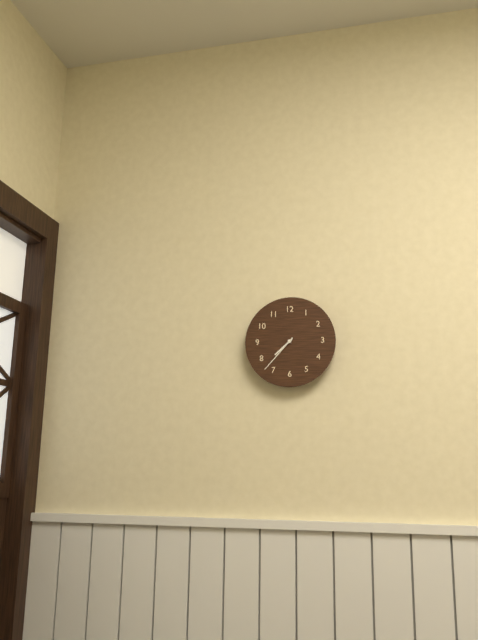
{"hour": 7, "minute": 37}
